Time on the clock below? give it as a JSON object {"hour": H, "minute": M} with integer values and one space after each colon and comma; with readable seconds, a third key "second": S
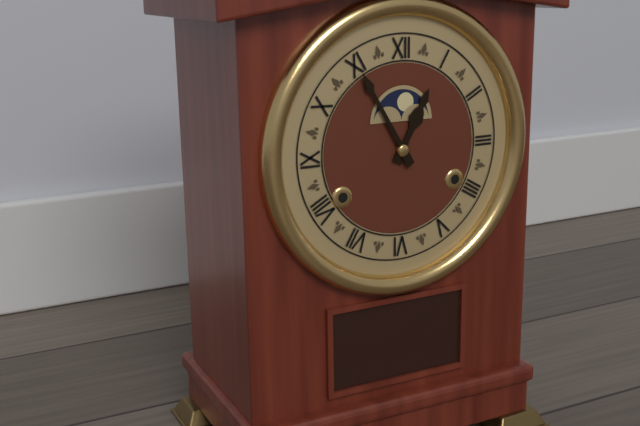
{"hour": 12, "minute": 55}
